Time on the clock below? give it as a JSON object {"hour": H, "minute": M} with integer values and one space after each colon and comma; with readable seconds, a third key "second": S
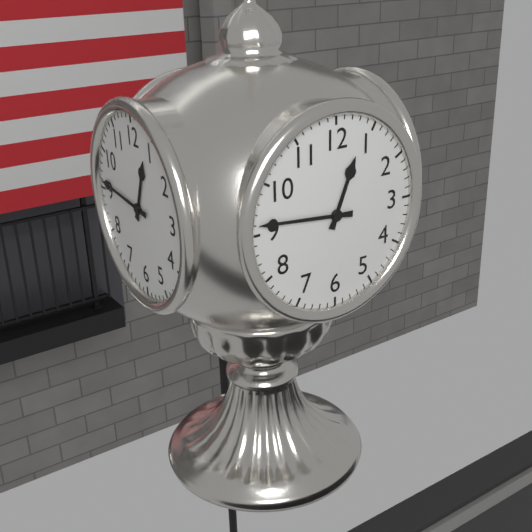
{"hour": 12, "minute": 46}
